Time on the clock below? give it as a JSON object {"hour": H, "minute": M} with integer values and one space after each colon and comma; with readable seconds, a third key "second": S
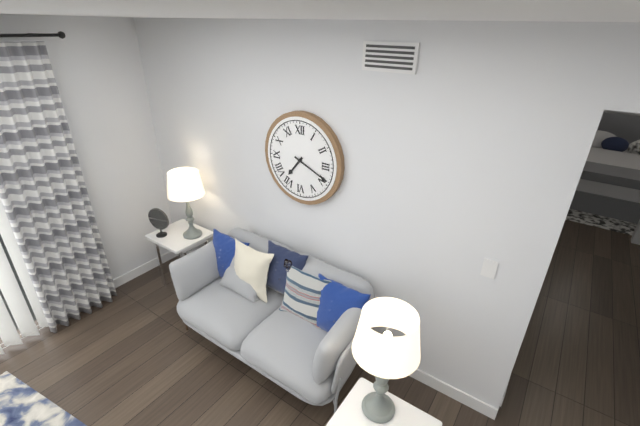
{"hour": 7, "minute": 19}
